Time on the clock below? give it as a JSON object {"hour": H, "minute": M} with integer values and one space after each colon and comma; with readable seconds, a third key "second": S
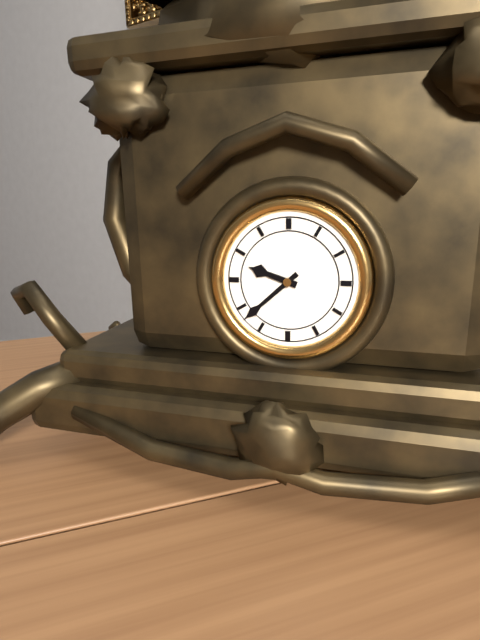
{"hour": 9, "minute": 38}
